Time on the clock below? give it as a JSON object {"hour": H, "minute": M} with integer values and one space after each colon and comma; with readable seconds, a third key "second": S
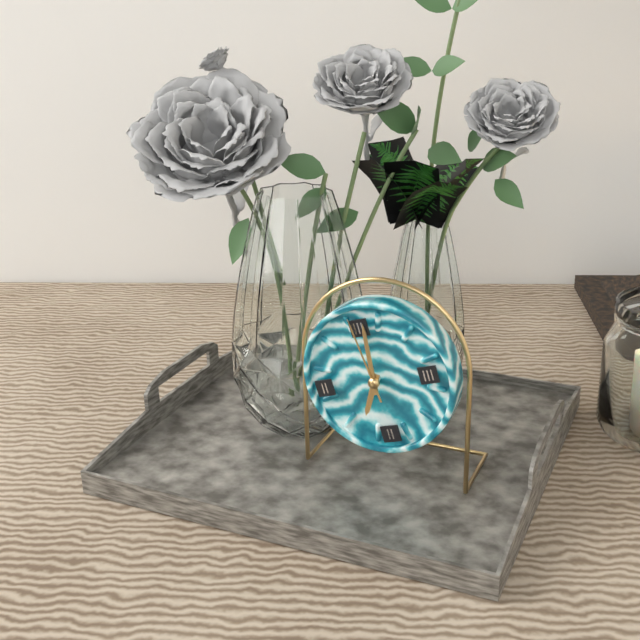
{"hour": 7, "minute": 1, "second": 59}
